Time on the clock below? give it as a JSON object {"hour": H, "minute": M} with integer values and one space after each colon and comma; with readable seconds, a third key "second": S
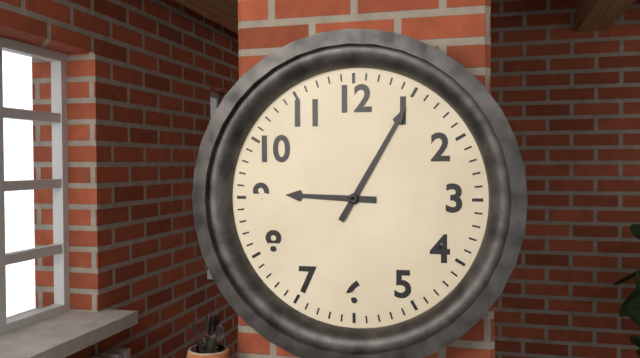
{"hour": 9, "minute": 5}
